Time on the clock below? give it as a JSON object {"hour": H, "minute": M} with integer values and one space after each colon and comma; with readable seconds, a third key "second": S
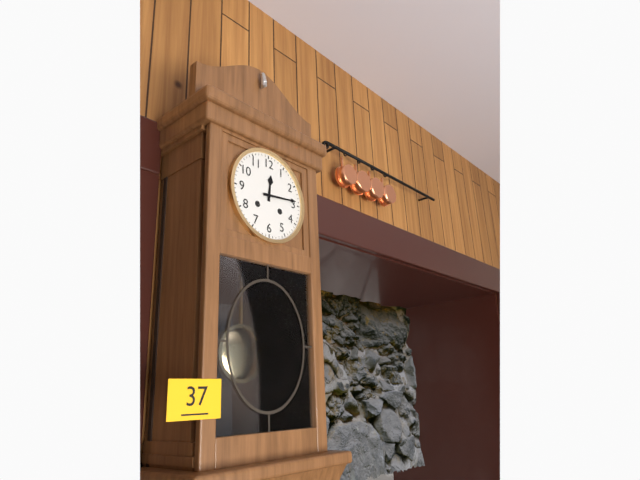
{"hour": 12, "minute": 14}
